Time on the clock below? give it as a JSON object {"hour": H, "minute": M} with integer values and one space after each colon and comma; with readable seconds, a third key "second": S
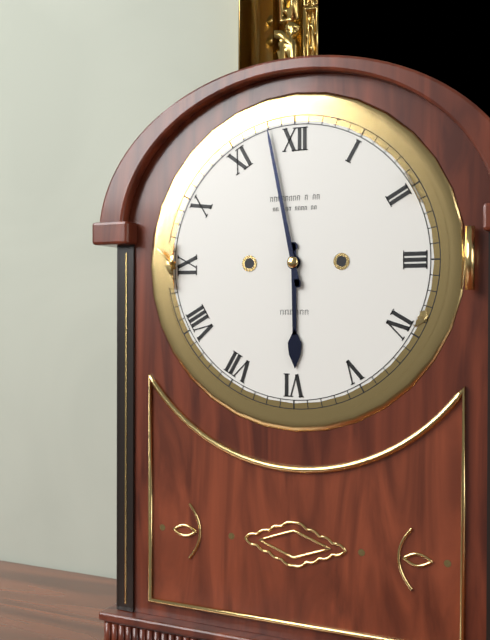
{"hour": 5, "minute": 58}
